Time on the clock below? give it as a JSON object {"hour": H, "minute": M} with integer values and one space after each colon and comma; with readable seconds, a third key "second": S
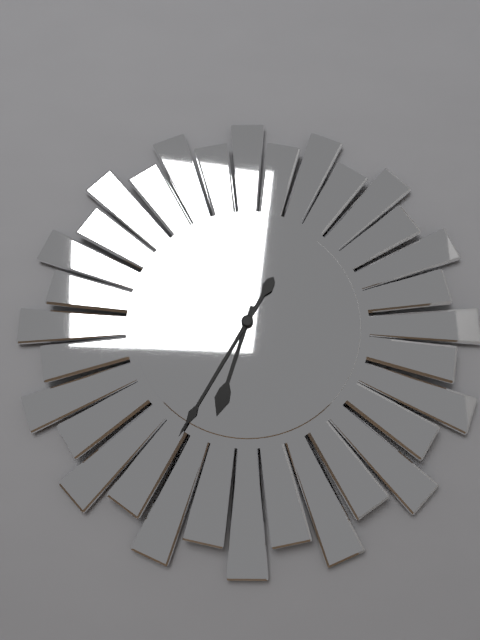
{"hour": 6, "minute": 35}
